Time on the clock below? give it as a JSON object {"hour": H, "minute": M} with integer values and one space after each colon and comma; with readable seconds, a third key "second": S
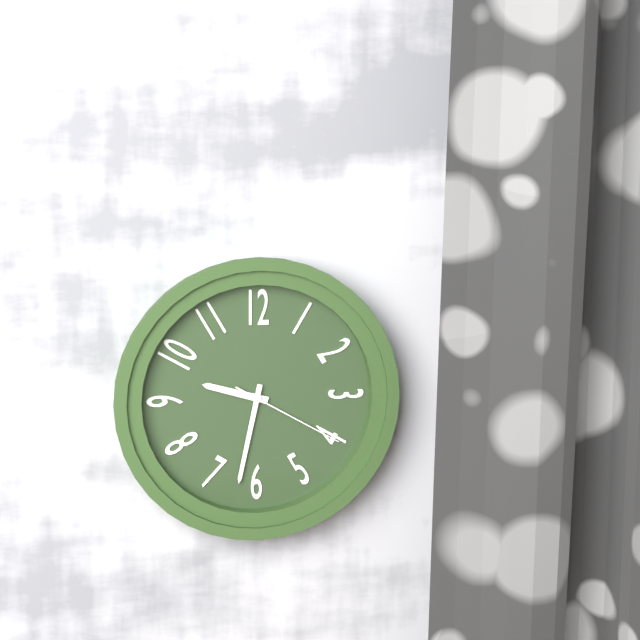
{"hour": 9, "minute": 32, "second": 20}
